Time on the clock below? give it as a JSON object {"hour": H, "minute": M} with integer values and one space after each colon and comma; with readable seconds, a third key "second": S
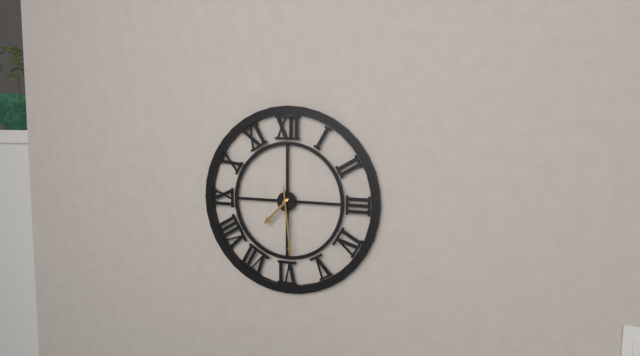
{"hour": 7, "minute": 29}
